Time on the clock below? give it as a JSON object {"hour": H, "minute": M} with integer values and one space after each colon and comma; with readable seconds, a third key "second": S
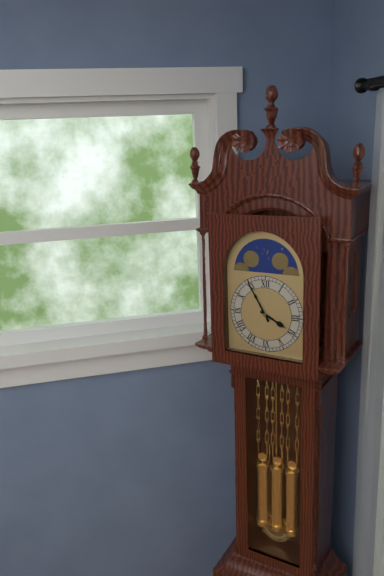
{"hour": 3, "minute": 55}
